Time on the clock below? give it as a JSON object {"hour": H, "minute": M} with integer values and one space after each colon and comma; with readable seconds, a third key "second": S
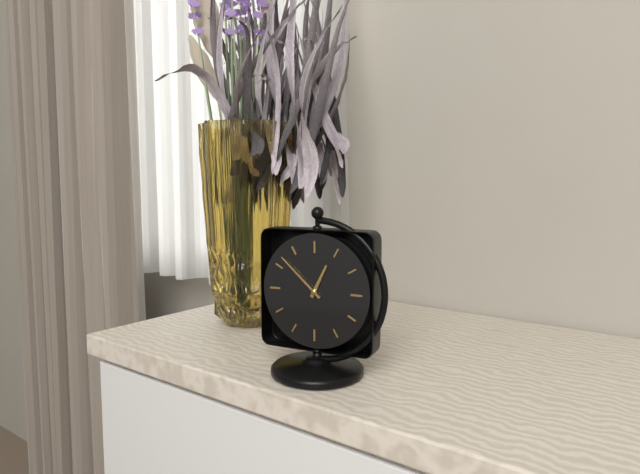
{"hour": 12, "minute": 52}
